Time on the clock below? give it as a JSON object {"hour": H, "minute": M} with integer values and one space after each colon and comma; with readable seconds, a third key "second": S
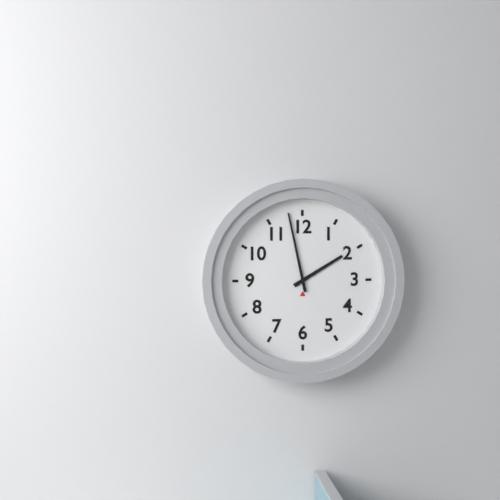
{"hour": 1, "minute": 58}
